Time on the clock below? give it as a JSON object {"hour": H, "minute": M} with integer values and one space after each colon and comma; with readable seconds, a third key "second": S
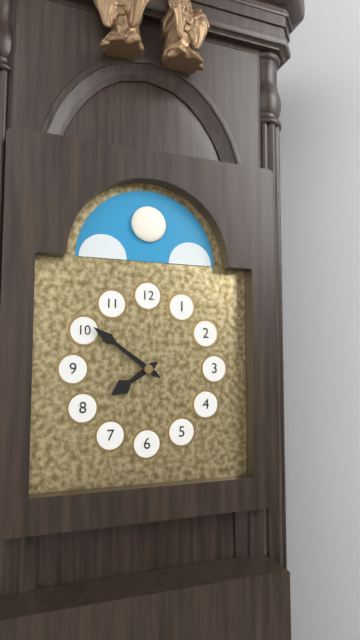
{"hour": 7, "minute": 51}
